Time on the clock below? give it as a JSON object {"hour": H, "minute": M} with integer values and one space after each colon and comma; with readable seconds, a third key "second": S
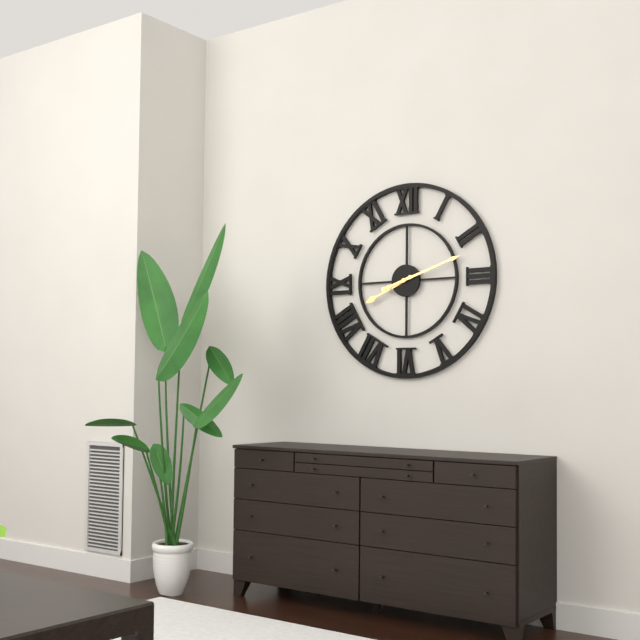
{"hour": 8, "minute": 12}
